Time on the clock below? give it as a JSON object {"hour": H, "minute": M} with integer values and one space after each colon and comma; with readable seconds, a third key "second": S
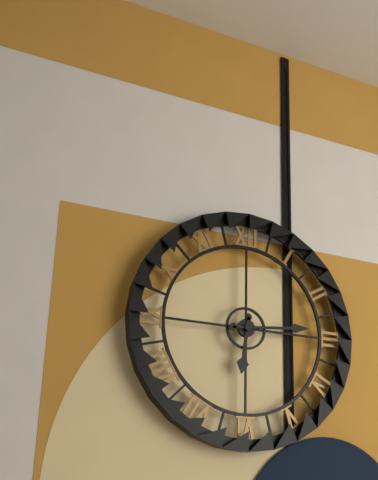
{"hour": 6, "minute": 14}
